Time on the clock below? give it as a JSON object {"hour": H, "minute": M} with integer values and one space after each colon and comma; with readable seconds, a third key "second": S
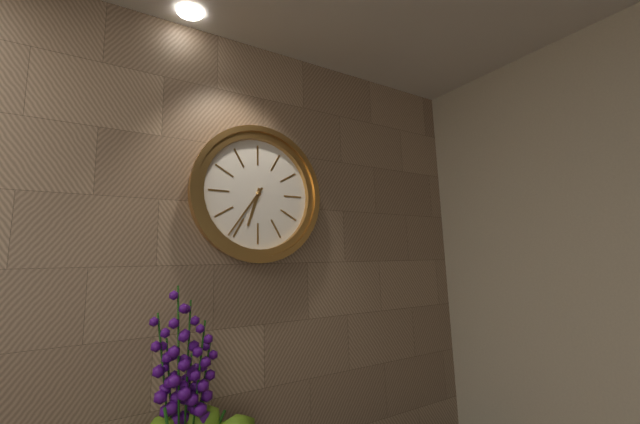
{"hour": 6, "minute": 36}
